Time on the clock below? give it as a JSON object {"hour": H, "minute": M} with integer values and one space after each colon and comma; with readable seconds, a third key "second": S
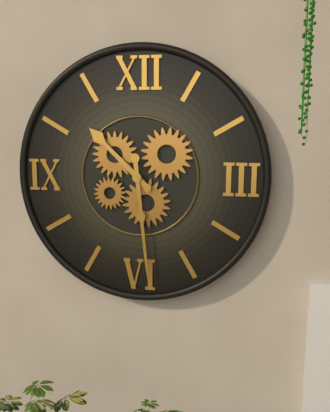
{"hour": 10, "minute": 29}
